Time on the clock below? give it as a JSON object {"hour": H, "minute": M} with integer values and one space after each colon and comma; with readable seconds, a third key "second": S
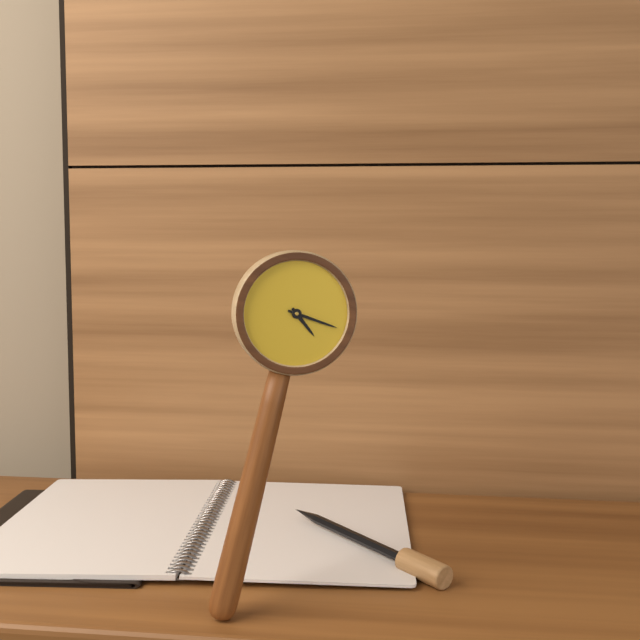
{"hour": 4, "minute": 16}
